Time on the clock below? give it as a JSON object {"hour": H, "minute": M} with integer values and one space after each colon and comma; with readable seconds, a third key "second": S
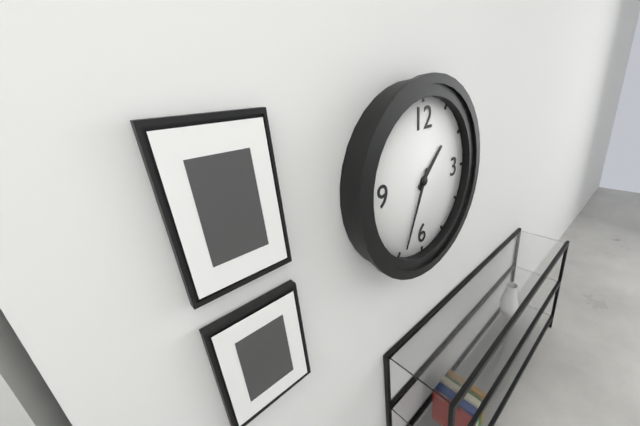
{"hour": 1, "minute": 34}
